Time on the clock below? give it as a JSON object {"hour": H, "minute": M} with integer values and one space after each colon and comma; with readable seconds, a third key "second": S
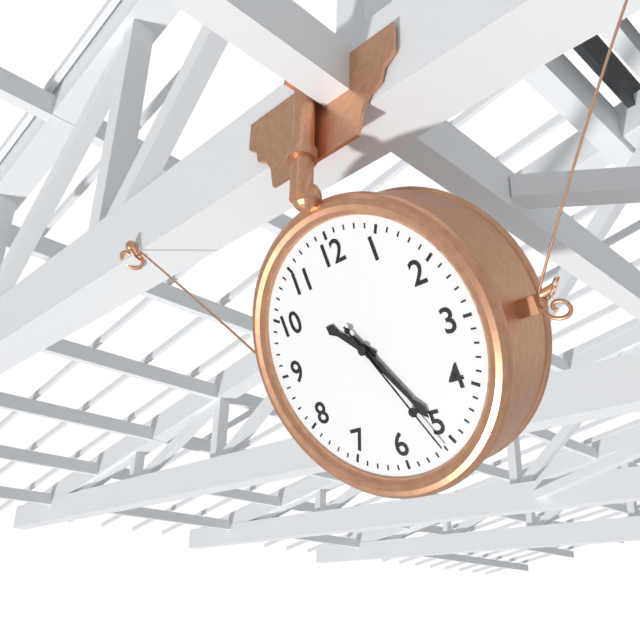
{"hour": 10, "minute": 25, "second": 26}
